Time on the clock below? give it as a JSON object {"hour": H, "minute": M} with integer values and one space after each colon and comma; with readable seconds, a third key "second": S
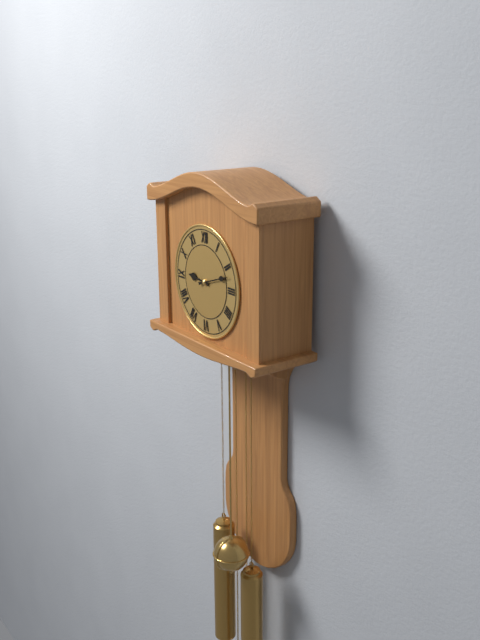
{"hour": 9, "minute": 12}
